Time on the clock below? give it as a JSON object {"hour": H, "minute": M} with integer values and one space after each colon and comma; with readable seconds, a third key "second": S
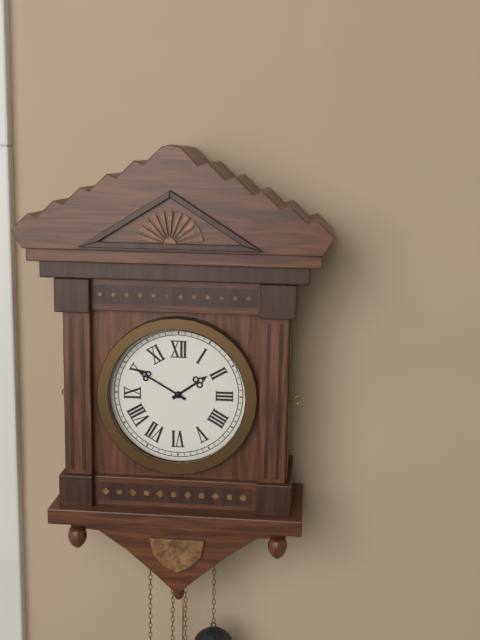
{"hour": 1, "minute": 50}
